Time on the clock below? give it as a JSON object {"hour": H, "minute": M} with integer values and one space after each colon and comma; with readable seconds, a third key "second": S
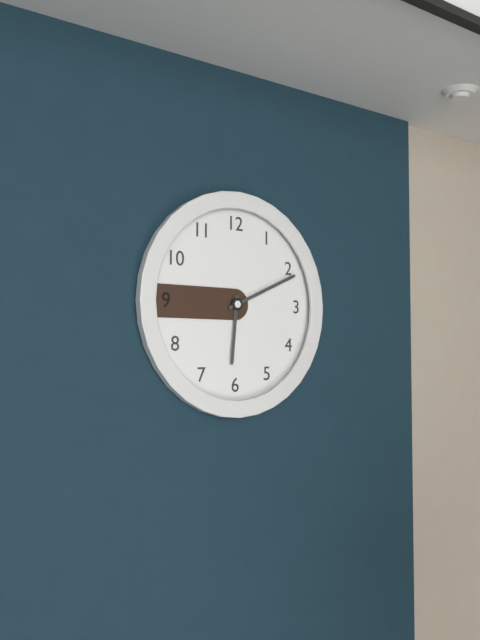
{"hour": 6, "minute": 11}
